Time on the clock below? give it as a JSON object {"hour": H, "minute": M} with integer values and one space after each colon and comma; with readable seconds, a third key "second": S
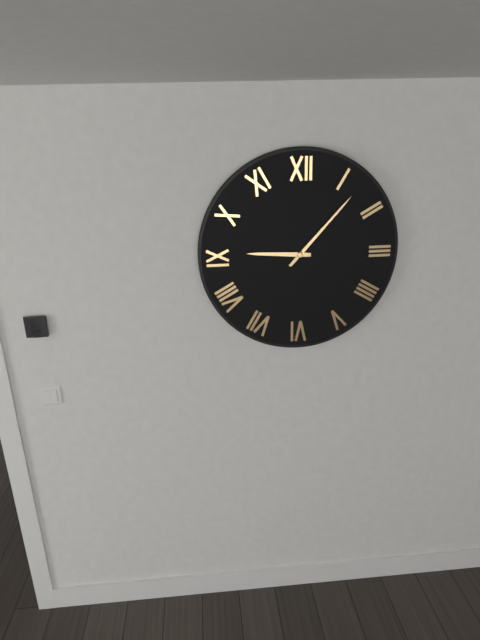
{"hour": 9, "minute": 7}
